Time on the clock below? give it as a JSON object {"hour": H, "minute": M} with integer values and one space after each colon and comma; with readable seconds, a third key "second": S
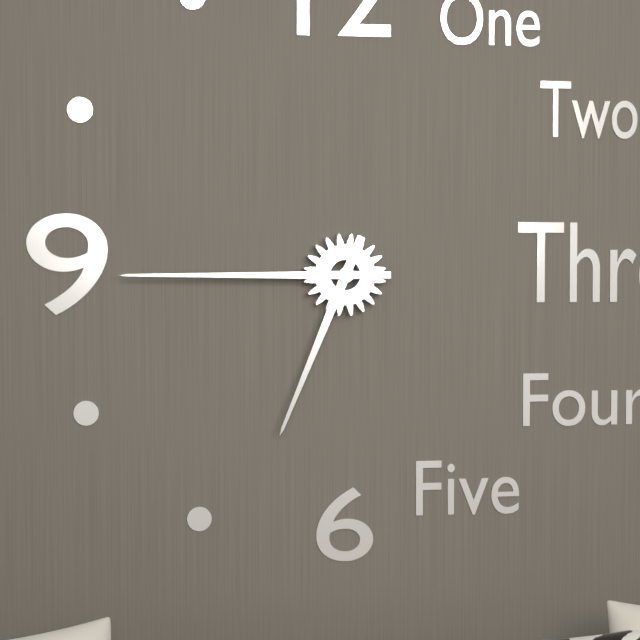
{"hour": 6, "minute": 45}
